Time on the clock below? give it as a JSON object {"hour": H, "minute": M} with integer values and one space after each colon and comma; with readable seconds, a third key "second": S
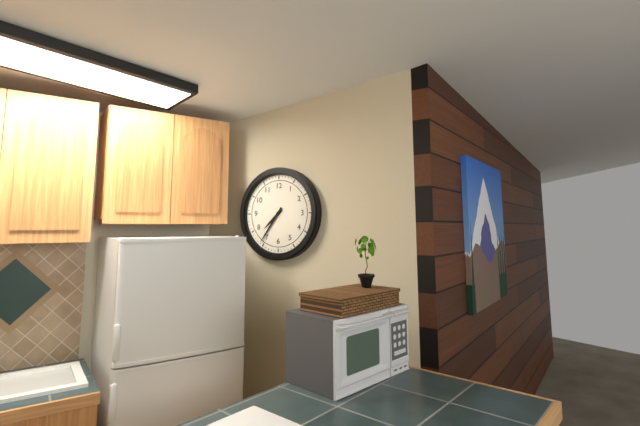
{"hour": 7, "minute": 36}
